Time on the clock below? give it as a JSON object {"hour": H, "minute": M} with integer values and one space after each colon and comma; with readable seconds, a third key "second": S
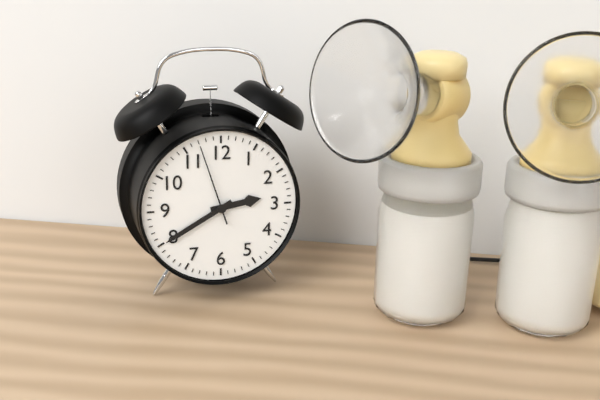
{"hour": 2, "minute": 40, "second": 57}
